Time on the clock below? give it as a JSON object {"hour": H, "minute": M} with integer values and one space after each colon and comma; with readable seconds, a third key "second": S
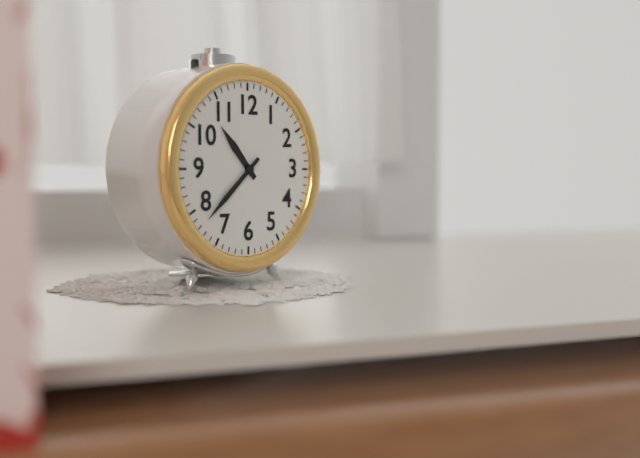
{"hour": 10, "minute": 38}
